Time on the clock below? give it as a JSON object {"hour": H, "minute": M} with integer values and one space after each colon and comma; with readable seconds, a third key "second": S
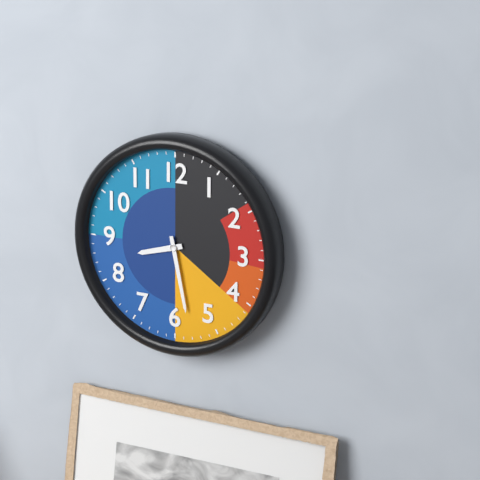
{"hour": 8, "minute": 28}
